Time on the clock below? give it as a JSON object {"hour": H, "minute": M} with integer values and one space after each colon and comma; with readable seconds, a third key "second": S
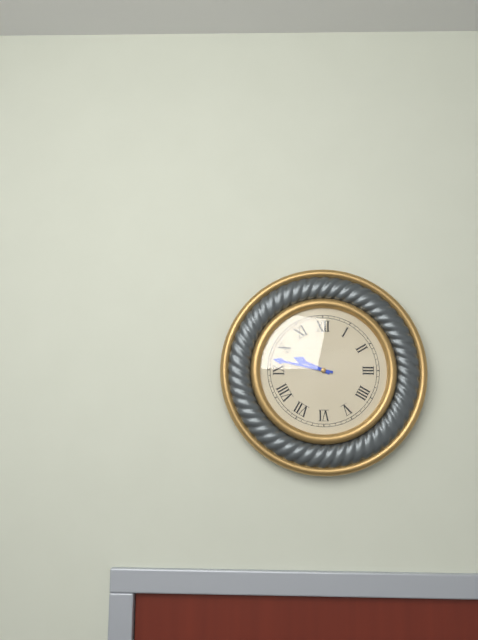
{"hour": 9, "minute": 47}
